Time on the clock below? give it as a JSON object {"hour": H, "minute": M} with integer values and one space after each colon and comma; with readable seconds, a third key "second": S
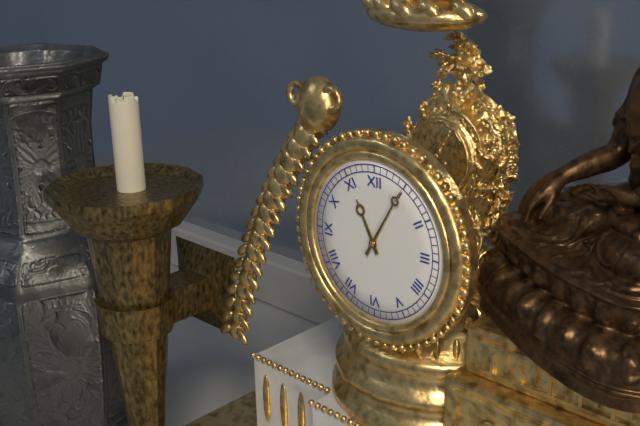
{"hour": 11, "minute": 5}
